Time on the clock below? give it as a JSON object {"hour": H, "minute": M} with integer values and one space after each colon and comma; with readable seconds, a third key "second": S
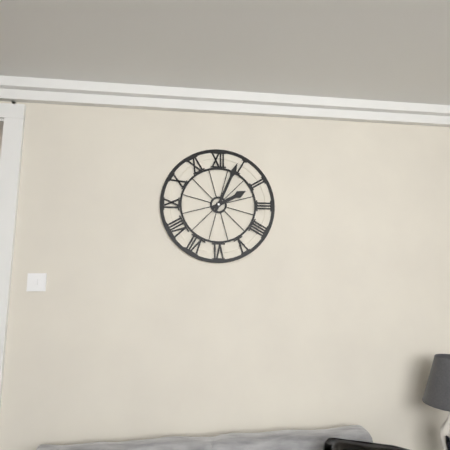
{"hour": 2, "minute": 4}
